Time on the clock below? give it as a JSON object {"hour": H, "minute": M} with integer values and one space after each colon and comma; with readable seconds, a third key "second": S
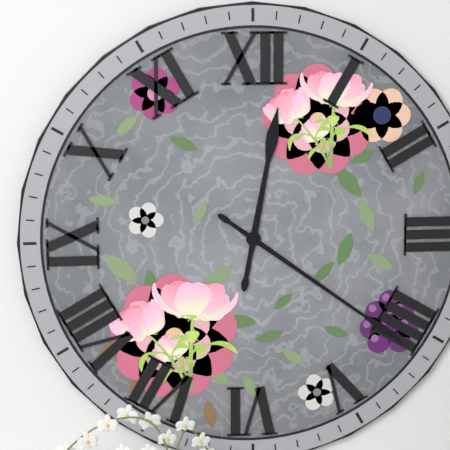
{"hour": 12, "minute": 21}
